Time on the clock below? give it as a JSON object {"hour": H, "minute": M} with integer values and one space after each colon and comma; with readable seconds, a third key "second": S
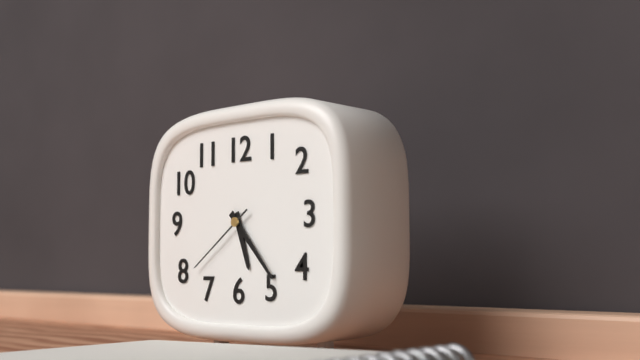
{"hour": 5, "minute": 23, "second": 39}
